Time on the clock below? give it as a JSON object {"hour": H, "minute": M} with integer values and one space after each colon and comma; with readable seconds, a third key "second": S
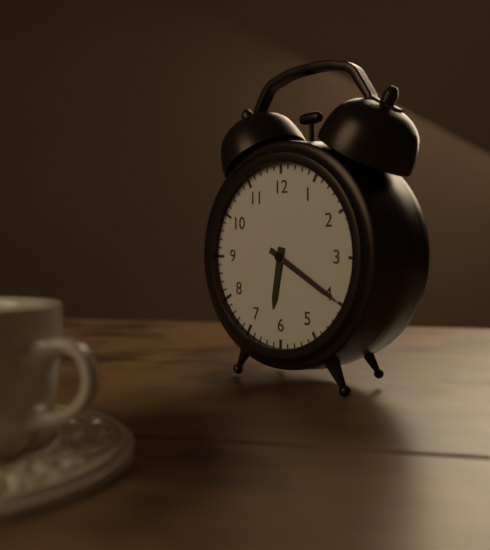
{"hour": 6, "minute": 20}
